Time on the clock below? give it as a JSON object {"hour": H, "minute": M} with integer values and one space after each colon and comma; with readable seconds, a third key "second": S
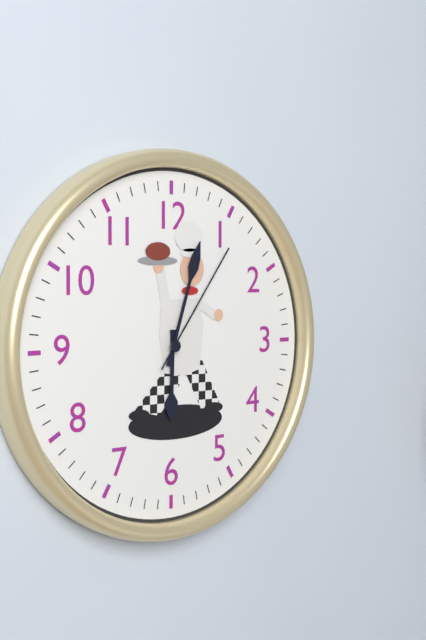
{"hour": 6, "minute": 3, "second": 6}
